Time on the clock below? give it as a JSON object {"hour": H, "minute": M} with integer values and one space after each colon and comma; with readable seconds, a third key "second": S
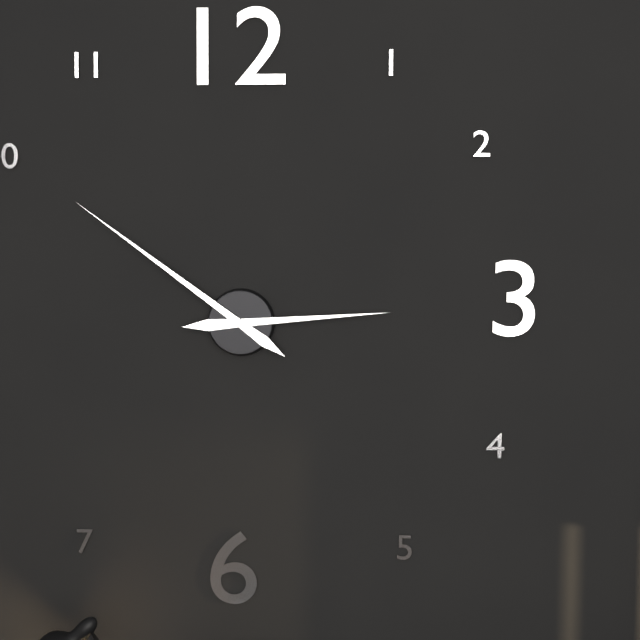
{"hour": 2, "minute": 51}
